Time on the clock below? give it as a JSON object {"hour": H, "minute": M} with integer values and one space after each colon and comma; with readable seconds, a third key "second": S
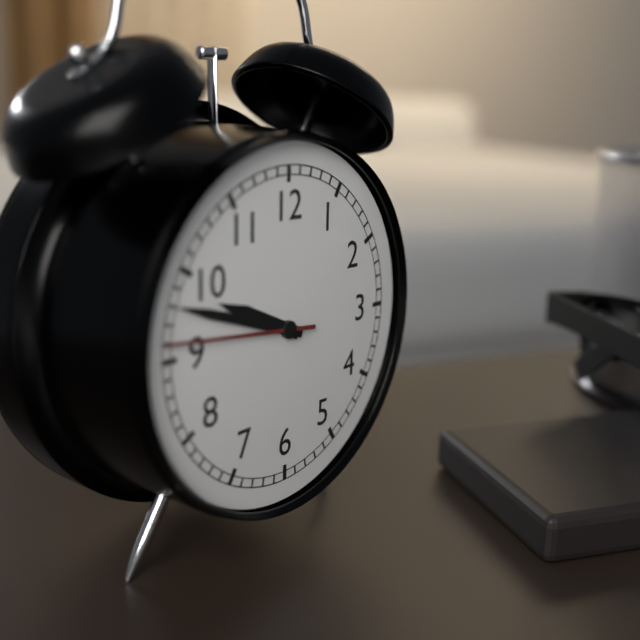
{"hour": 9, "minute": 48, "second": 46}
